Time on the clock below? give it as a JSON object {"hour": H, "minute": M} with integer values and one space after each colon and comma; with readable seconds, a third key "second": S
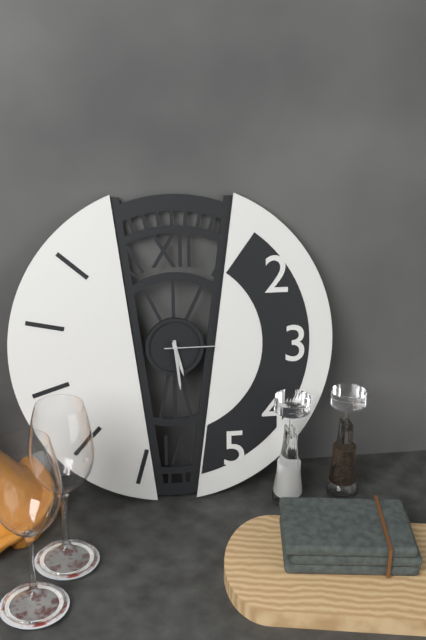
{"hour": 5, "minute": 29, "second": 15}
